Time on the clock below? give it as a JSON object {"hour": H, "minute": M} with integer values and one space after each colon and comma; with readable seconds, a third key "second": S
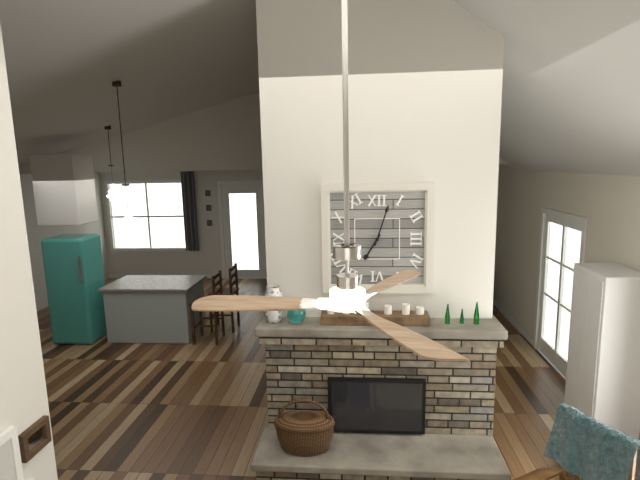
{"hour": 7, "minute": 3}
